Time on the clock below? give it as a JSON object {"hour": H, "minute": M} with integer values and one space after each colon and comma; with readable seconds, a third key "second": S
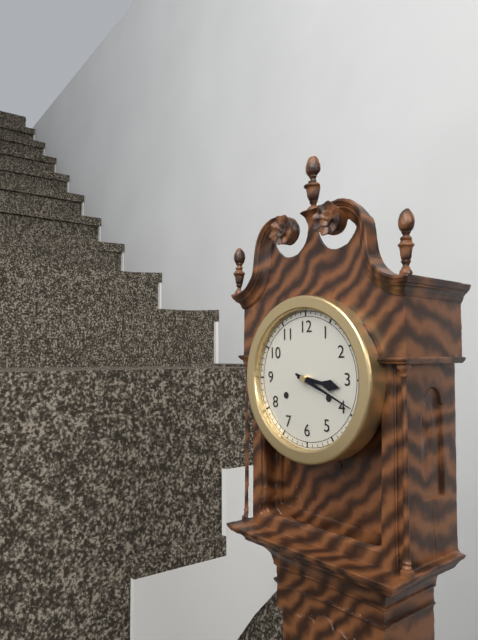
{"hour": 3, "minute": 19}
